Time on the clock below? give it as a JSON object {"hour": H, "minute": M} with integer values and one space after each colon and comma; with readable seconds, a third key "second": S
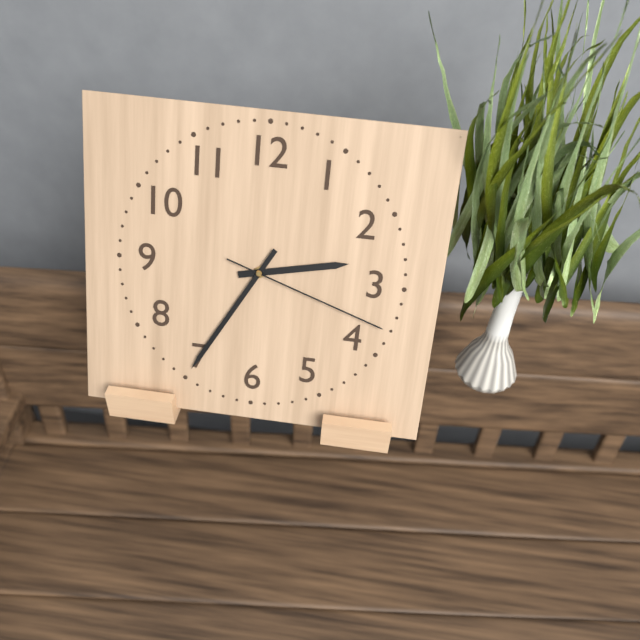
{"hour": 2, "minute": 35, "second": 18}
